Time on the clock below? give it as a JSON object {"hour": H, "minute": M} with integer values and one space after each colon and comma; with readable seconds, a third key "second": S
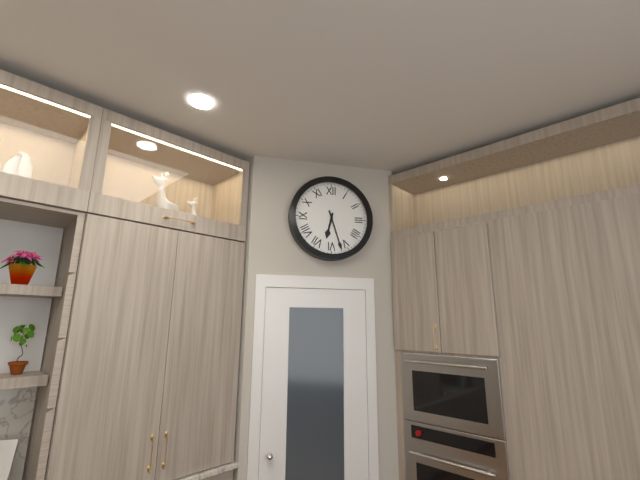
{"hour": 6, "minute": 27}
